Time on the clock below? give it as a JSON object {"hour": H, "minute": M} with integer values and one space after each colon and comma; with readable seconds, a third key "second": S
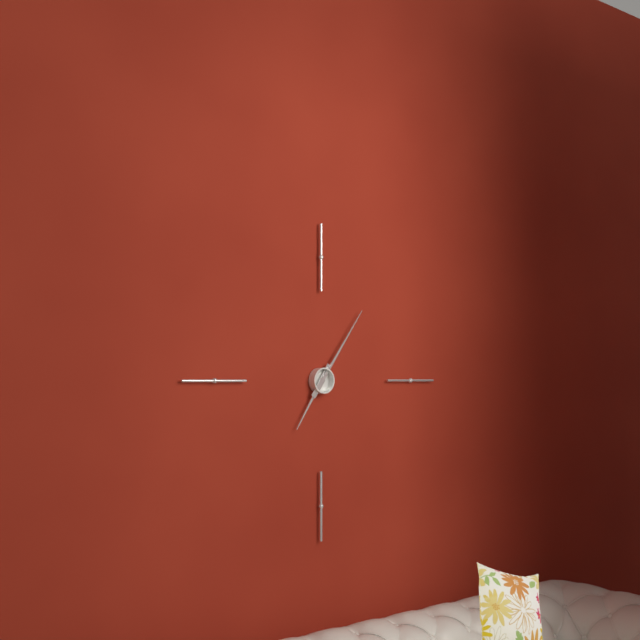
{"hour": 7, "minute": 6}
